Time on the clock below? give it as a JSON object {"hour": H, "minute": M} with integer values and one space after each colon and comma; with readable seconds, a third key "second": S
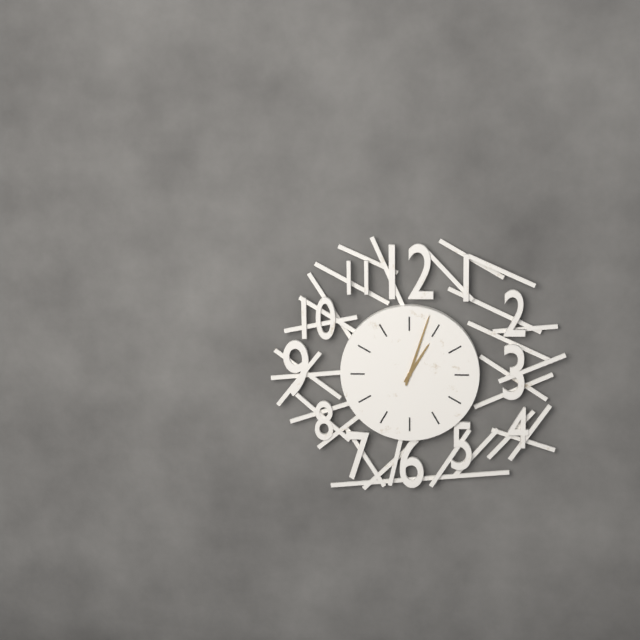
{"hour": 1, "minute": 3}
